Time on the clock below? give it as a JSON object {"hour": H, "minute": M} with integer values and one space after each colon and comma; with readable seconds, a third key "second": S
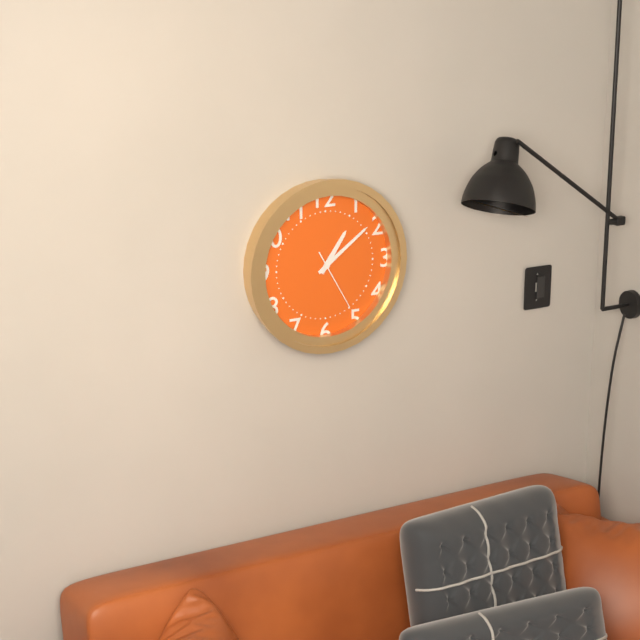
{"hour": 1, "minute": 9, "second": 25}
